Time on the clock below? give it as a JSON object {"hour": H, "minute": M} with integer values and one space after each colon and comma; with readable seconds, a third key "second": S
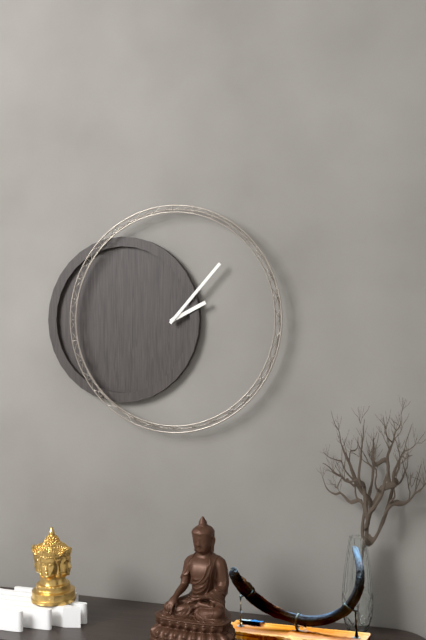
{"hour": 2, "minute": 7}
